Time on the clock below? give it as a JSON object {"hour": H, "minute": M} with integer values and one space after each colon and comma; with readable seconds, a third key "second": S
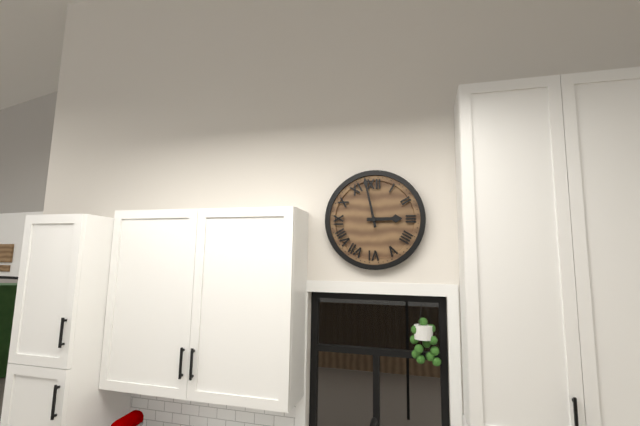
{"hour": 2, "minute": 58}
